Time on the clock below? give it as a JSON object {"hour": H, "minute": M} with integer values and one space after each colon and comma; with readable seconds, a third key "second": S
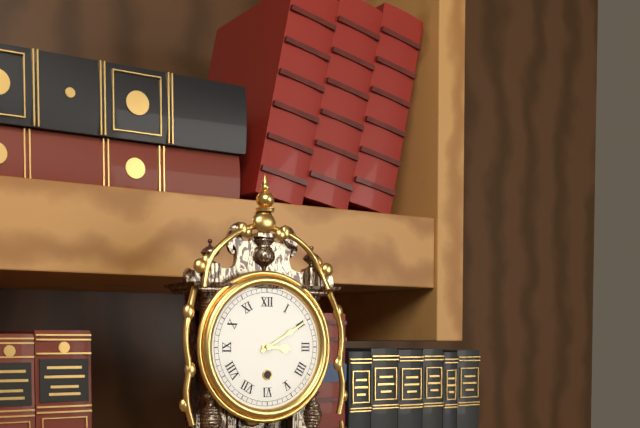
{"hour": 3, "minute": 10}
